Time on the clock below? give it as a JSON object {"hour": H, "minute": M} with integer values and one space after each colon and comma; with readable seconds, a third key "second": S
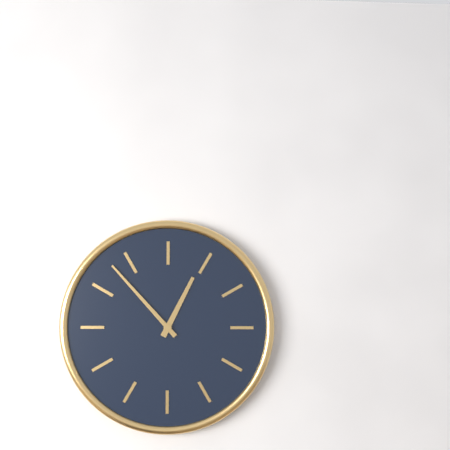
{"hour": 12, "minute": 53}
